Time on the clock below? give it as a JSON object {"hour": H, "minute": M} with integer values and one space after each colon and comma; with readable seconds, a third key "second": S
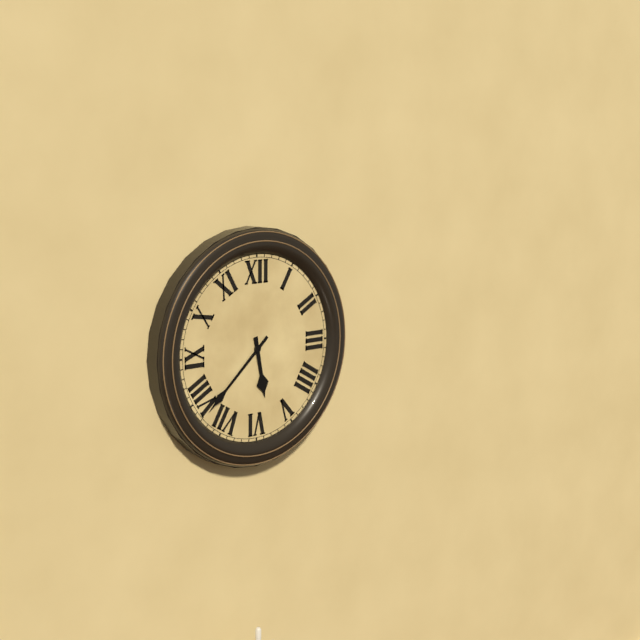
{"hour": 5, "minute": 38}
